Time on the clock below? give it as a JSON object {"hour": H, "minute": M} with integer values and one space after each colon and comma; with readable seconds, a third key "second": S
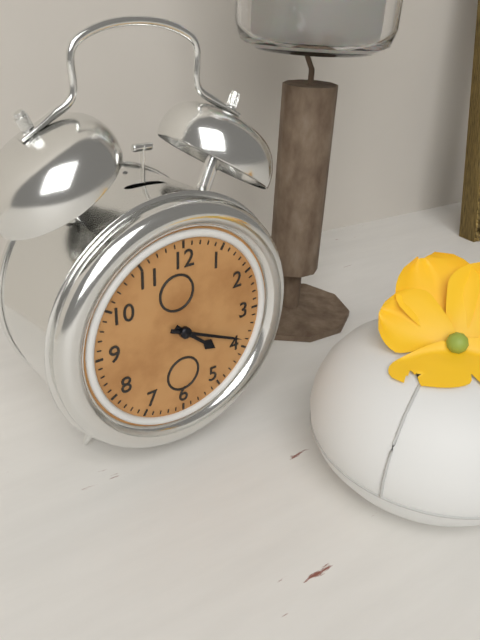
{"hour": 4, "minute": 19}
